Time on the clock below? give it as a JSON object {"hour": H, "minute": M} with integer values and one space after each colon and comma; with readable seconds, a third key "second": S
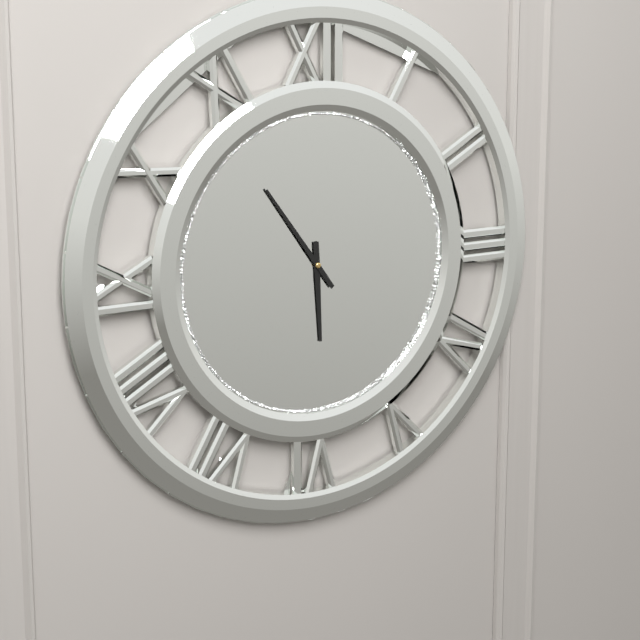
{"hour": 5, "minute": 54}
